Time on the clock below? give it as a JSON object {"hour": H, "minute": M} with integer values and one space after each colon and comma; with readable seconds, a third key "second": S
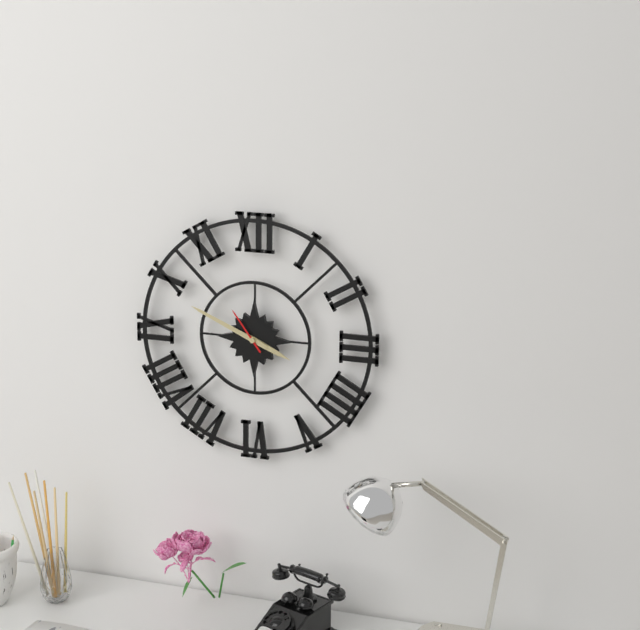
{"hour": 3, "minute": 49}
